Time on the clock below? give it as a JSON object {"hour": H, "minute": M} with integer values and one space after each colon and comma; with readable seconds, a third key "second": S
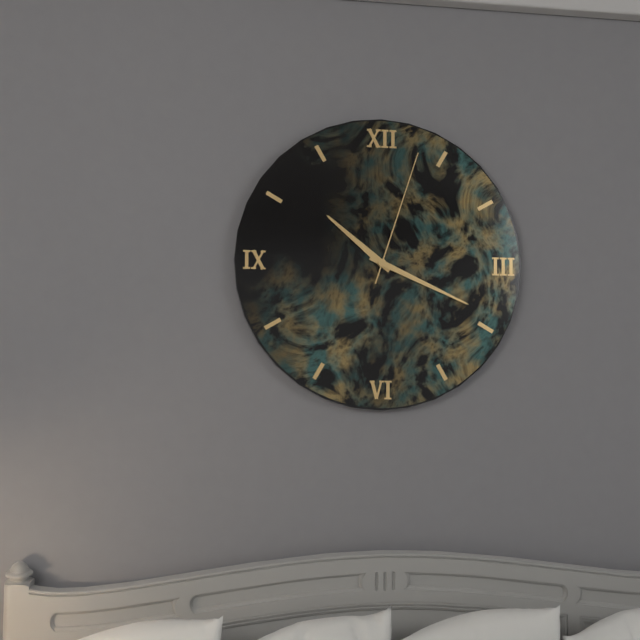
{"hour": 10, "minute": 19, "second": 3}
